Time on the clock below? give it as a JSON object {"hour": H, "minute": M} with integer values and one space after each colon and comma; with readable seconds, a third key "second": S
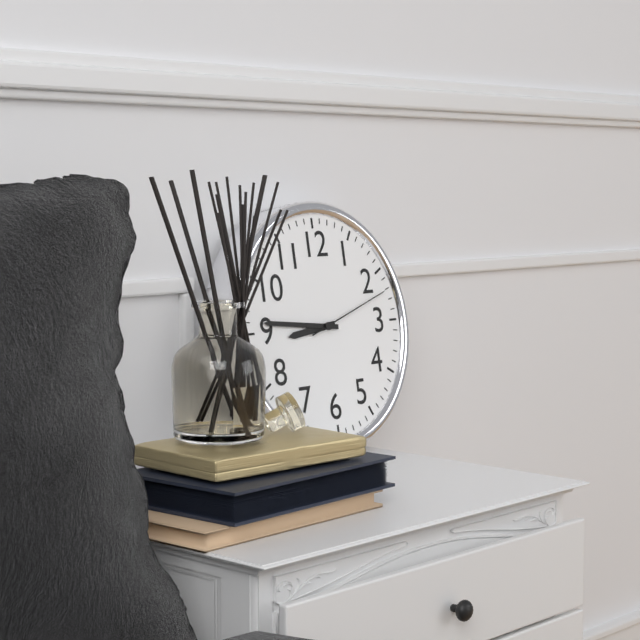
{"hour": 8, "minute": 46, "second": 12}
